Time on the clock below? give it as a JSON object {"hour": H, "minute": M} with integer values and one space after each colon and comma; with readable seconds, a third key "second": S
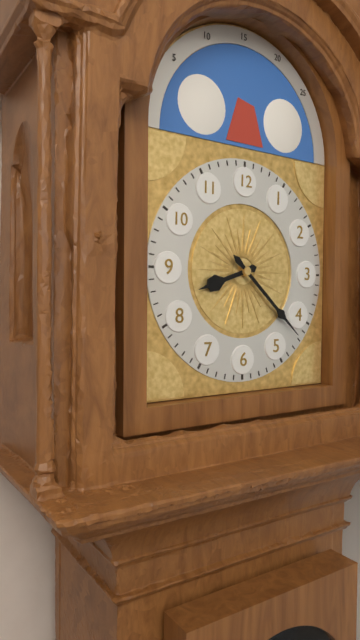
{"hour": 8, "minute": 22}
